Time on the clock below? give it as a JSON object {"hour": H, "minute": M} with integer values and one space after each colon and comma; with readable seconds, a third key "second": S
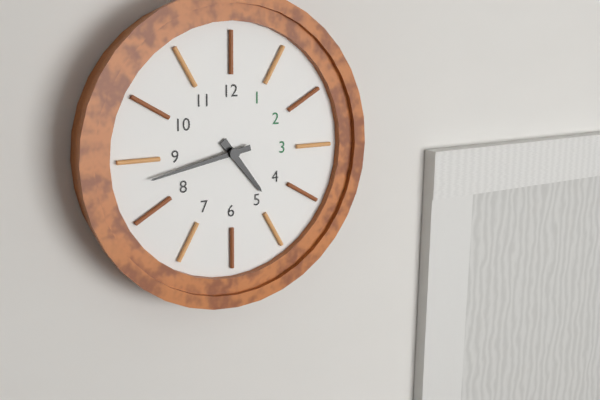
{"hour": 4, "minute": 43}
